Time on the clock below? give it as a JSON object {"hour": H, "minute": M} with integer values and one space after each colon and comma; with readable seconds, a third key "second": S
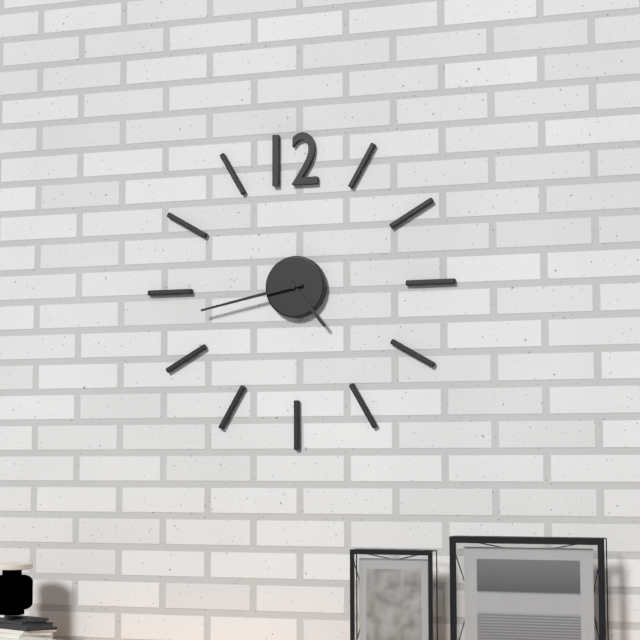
{"hour": 4, "minute": 43}
